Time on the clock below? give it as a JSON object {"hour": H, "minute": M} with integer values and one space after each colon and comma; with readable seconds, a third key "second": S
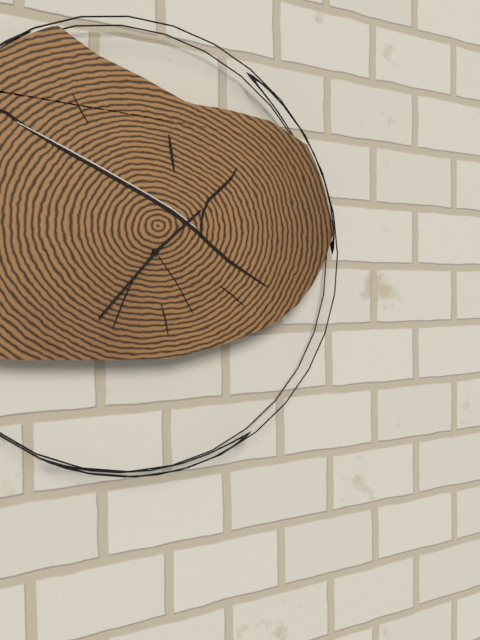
{"hour": 1, "minute": 37}
